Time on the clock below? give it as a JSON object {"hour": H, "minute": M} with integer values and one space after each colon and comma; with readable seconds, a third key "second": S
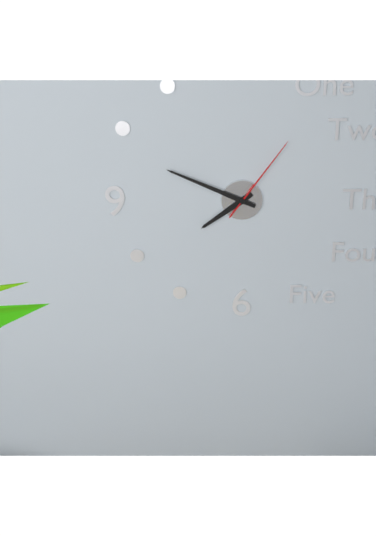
{"hour": 7, "minute": 49, "second": 6}
